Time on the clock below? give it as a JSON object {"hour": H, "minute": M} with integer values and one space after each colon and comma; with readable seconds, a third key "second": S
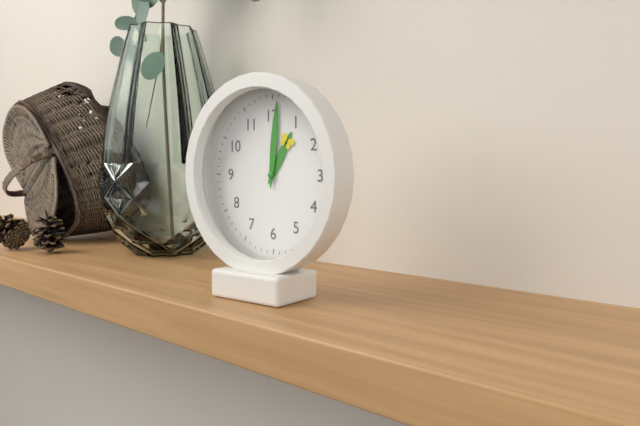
{"hour": 1, "minute": 1}
